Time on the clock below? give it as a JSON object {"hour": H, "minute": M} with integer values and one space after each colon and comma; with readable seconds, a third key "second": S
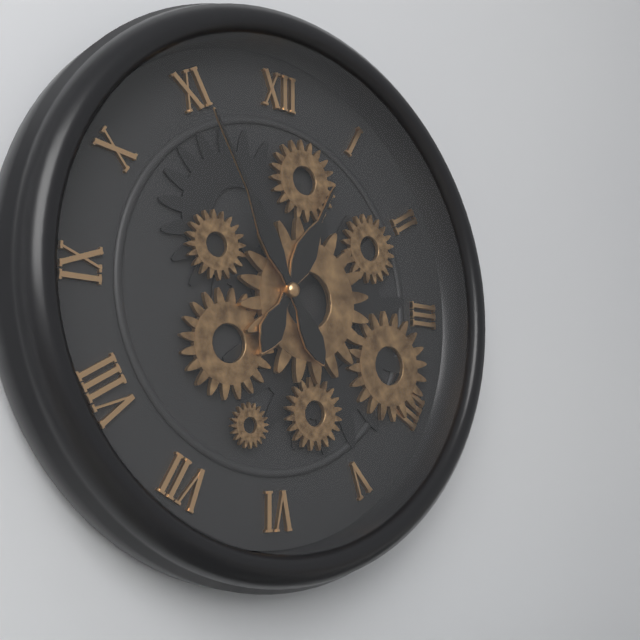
{"hour": 12, "minute": 55}
